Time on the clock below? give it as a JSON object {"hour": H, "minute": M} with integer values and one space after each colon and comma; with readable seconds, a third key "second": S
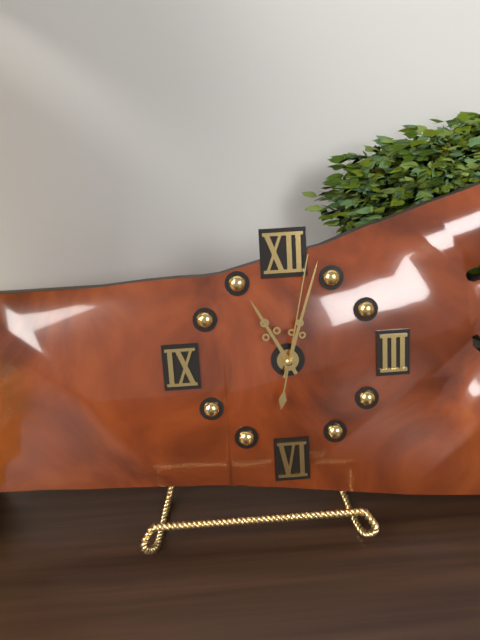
{"hour": 11, "minute": 3, "second": 2}
